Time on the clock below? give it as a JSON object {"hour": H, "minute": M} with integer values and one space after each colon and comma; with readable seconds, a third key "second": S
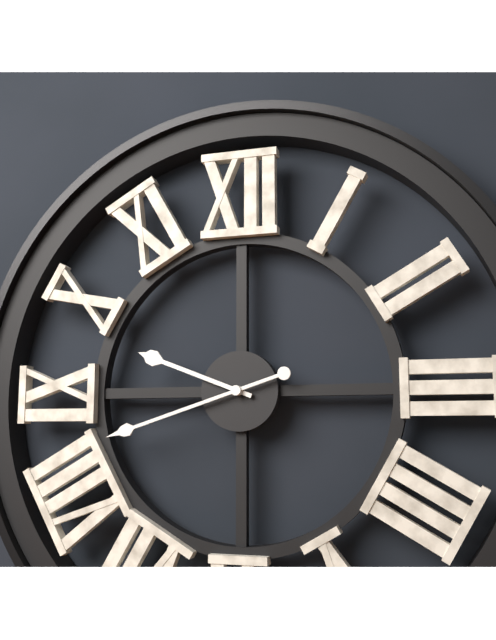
{"hour": 9, "minute": 42}
